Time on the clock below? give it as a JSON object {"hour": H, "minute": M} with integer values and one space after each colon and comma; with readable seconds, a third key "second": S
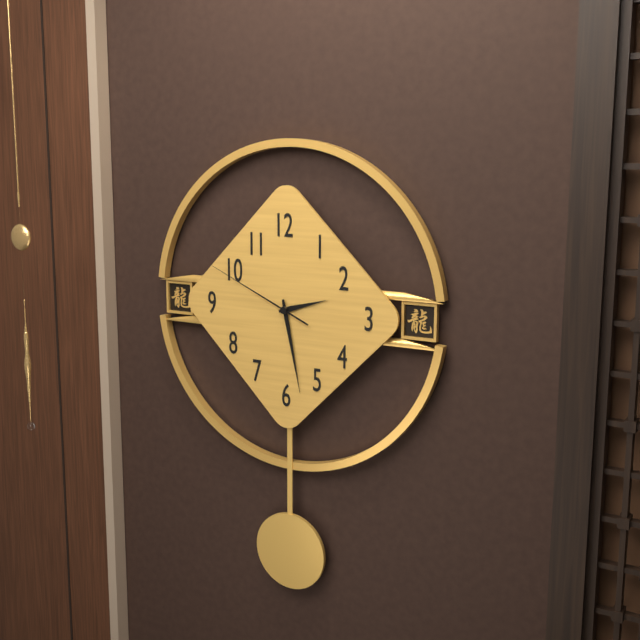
{"hour": 2, "minute": 28, "second": 49}
